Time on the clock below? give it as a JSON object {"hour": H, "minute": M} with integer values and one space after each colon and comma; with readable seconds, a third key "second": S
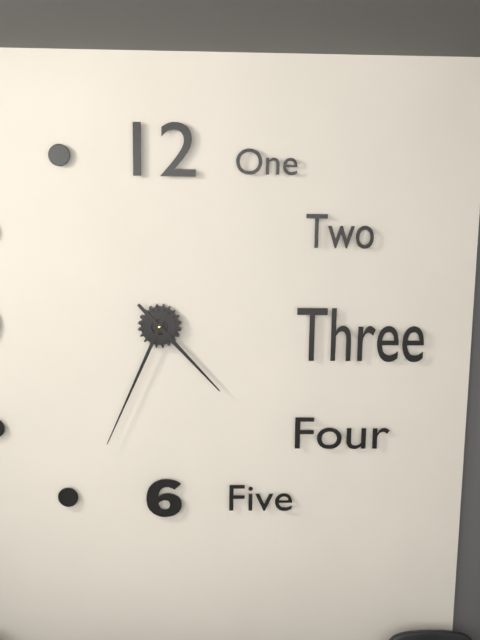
{"hour": 4, "minute": 34}
